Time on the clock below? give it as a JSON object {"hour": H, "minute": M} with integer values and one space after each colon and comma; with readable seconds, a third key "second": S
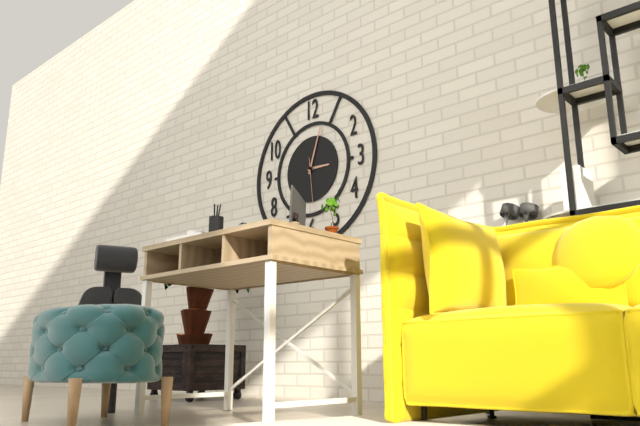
{"hour": 3, "minute": 3}
